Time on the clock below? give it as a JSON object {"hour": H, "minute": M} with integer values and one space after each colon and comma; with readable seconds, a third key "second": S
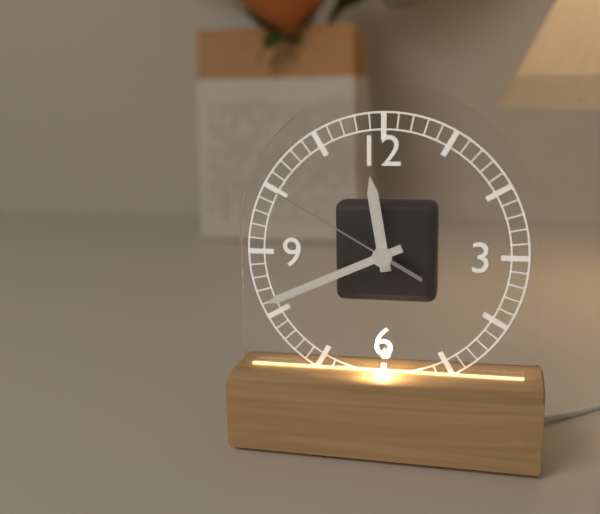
{"hour": 11, "minute": 41, "second": 50}
